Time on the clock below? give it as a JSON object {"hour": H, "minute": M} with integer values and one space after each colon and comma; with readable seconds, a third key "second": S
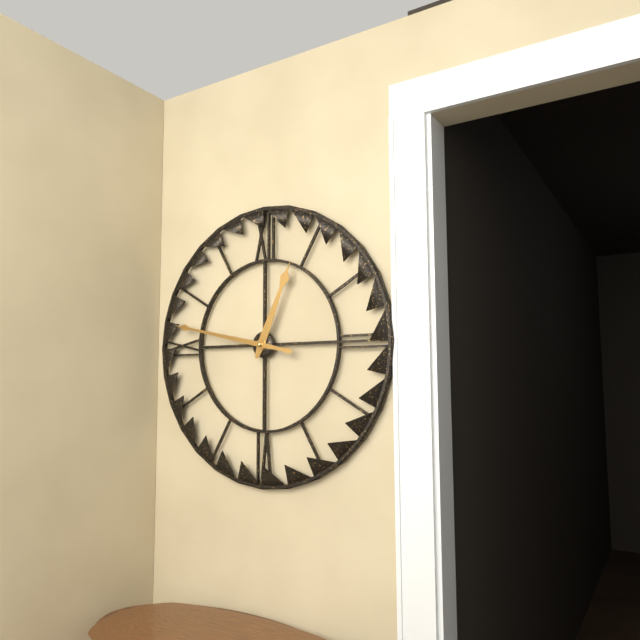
{"hour": 12, "minute": 47}
